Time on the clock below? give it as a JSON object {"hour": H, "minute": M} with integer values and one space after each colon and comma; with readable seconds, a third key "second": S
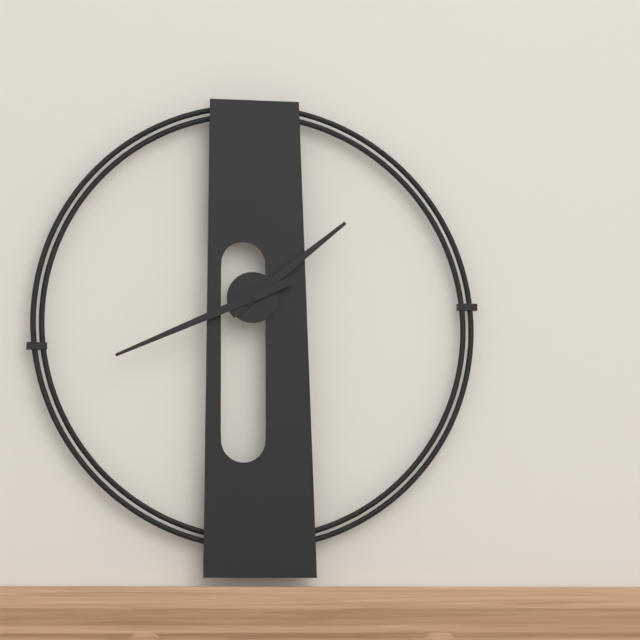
{"hour": 1, "minute": 41}
